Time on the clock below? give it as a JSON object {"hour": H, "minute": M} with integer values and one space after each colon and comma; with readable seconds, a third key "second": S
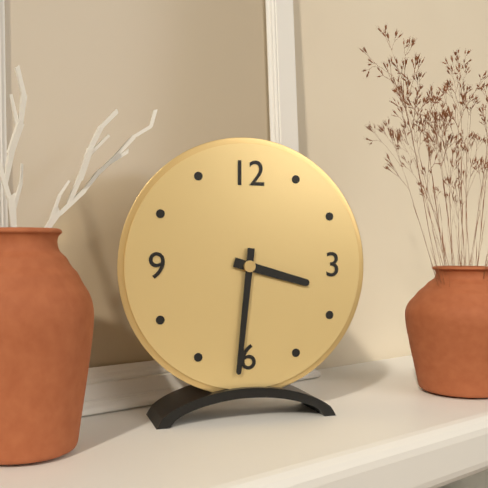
{"hour": 3, "minute": 31}
